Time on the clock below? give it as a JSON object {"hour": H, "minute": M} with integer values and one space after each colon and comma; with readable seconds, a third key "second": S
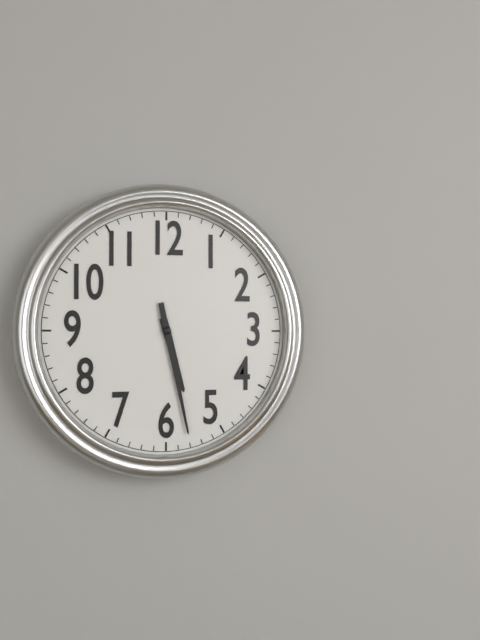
{"hour": 5, "minute": 28}
